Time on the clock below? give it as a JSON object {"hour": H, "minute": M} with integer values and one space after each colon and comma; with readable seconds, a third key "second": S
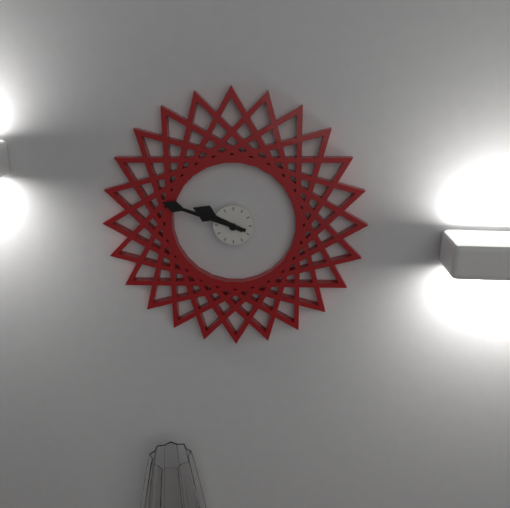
{"hour": 9, "minute": 48}
